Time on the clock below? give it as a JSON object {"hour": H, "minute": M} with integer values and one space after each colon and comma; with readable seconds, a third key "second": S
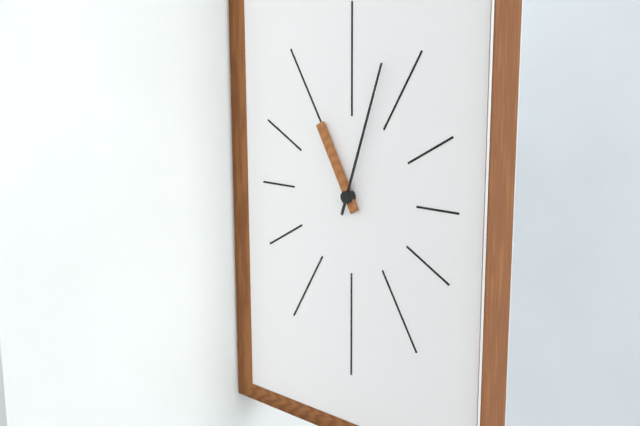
{"hour": 11, "minute": 3}
